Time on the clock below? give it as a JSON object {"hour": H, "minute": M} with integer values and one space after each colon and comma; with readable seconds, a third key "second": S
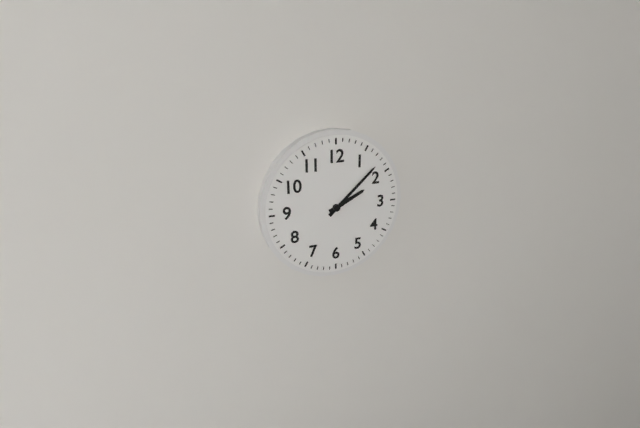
{"hour": 2, "minute": 8}
